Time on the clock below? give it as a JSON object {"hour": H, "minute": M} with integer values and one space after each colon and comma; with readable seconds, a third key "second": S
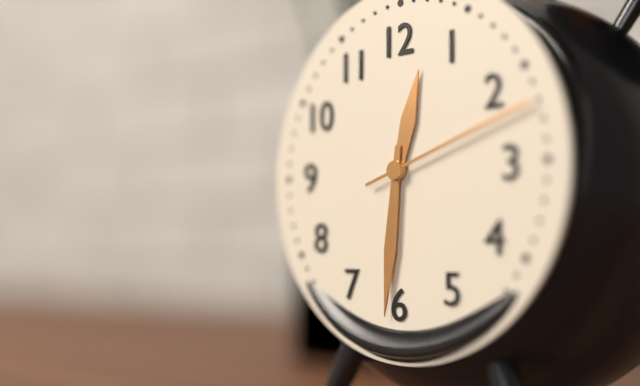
{"hour": 12, "minute": 31, "second": 12}
